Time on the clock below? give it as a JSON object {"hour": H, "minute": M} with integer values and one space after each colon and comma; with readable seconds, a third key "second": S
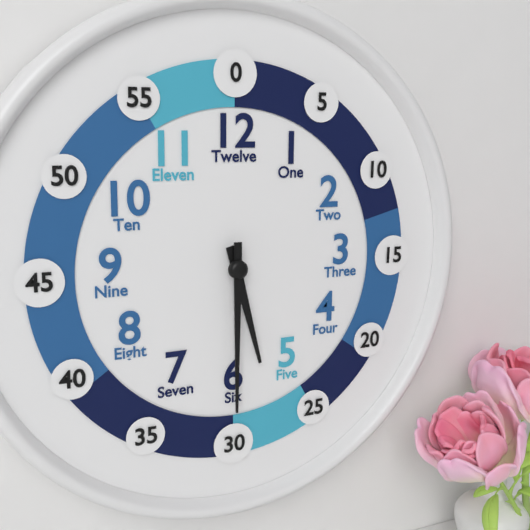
{"hour": 5, "minute": 30}
